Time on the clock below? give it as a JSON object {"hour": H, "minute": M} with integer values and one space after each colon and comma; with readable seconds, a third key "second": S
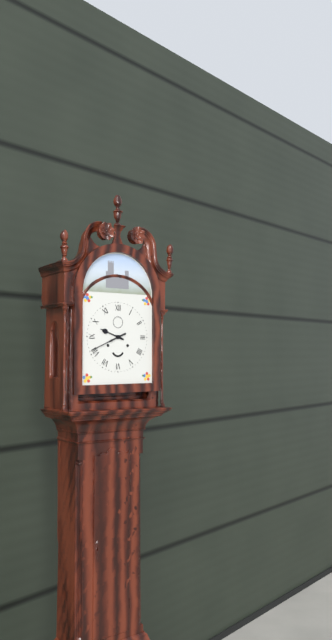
{"hour": 9, "minute": 41}
